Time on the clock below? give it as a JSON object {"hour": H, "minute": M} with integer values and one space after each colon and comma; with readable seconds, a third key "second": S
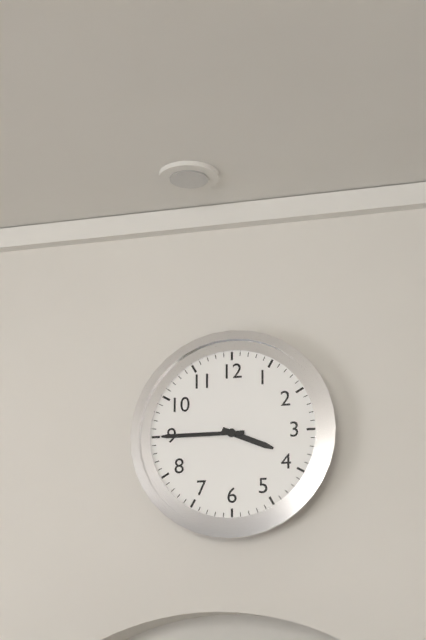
{"hour": 3, "minute": 45}
